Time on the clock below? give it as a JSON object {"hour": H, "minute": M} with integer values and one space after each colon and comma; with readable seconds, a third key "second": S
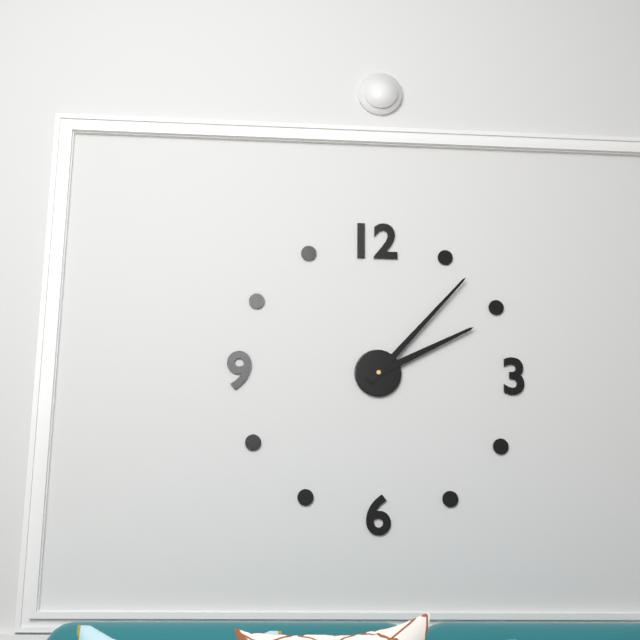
{"hour": 2, "minute": 7}
